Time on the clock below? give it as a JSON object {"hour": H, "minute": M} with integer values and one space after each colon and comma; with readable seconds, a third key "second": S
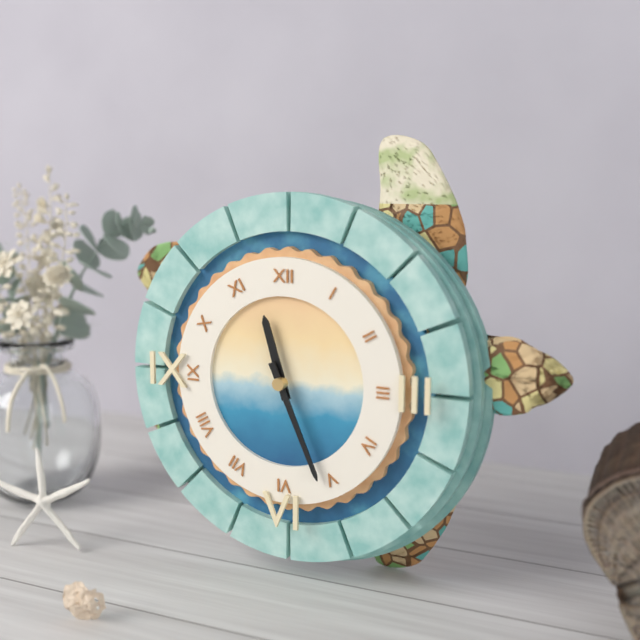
{"hour": 11, "minute": 26}
